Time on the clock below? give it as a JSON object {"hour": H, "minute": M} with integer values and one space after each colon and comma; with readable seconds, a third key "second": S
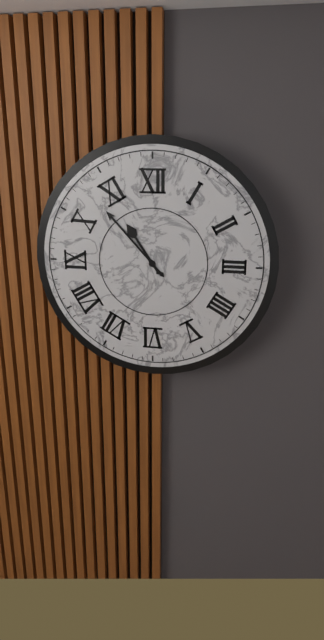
{"hour": 10, "minute": 53}
